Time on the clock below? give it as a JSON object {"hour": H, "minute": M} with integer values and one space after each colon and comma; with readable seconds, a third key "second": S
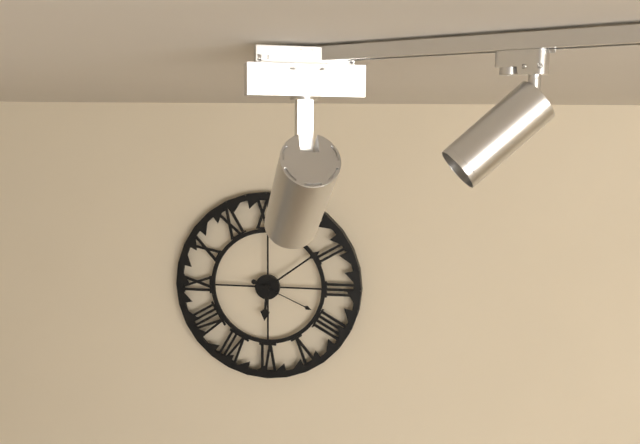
{"hour": 6, "minute": 9, "second": 19}
